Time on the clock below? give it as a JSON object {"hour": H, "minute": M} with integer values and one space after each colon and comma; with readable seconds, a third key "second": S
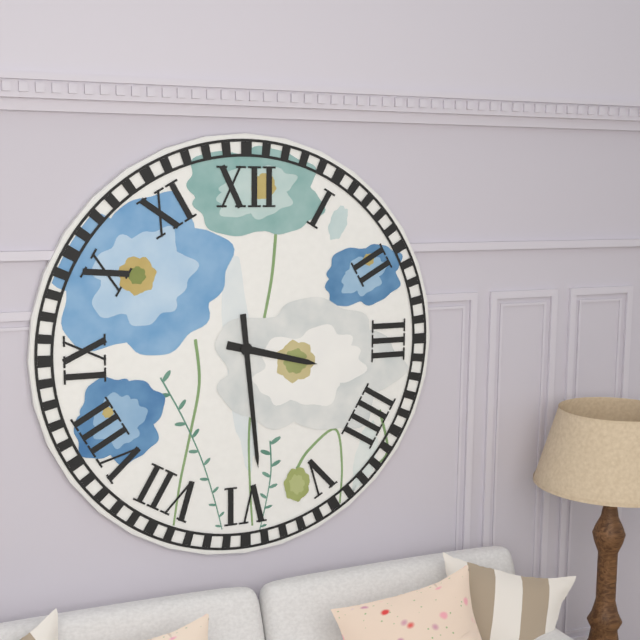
{"hour": 3, "minute": 29}
